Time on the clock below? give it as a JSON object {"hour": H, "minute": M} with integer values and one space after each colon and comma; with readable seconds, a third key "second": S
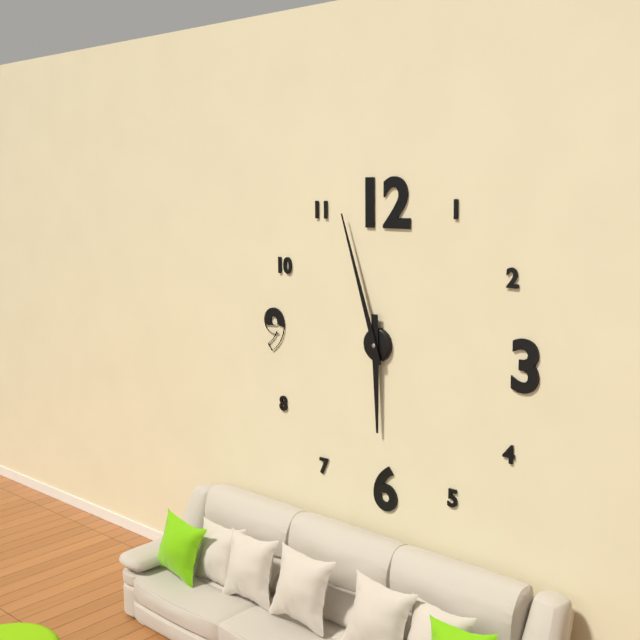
{"hour": 5, "minute": 57}
